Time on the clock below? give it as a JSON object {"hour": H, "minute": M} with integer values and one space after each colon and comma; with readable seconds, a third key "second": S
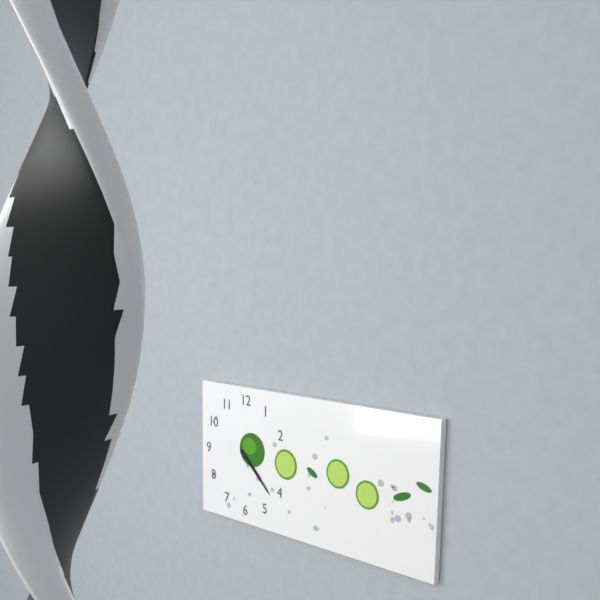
{"hour": 4, "minute": 22}
